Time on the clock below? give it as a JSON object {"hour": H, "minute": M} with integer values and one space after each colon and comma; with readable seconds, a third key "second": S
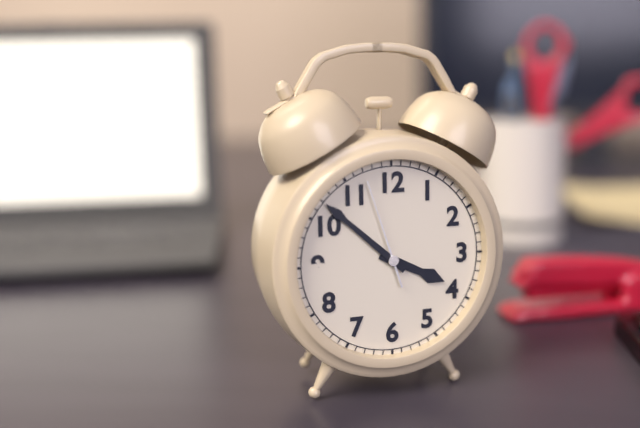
{"hour": 3, "minute": 52, "second": 57}
